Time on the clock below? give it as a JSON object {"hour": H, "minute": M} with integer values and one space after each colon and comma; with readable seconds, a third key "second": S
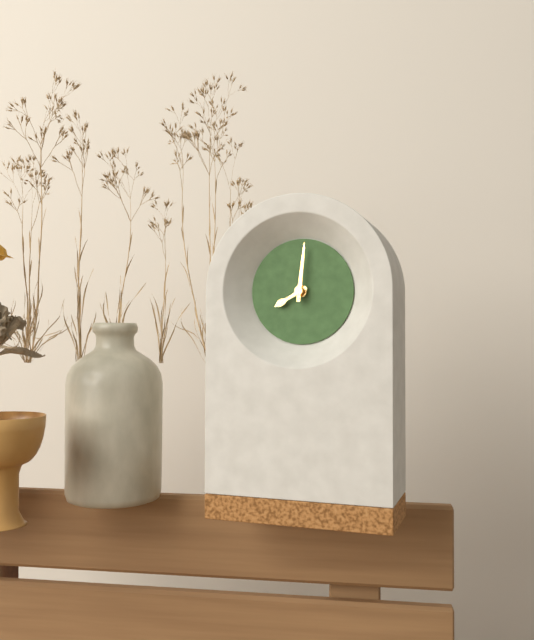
{"hour": 8, "minute": 1}
